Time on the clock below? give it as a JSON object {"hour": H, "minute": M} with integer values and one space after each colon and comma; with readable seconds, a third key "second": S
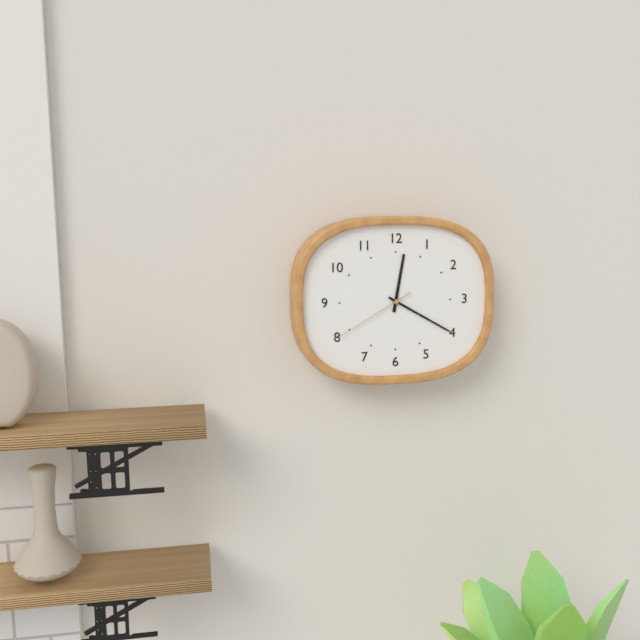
{"hour": 12, "minute": 20, "second": 40}
